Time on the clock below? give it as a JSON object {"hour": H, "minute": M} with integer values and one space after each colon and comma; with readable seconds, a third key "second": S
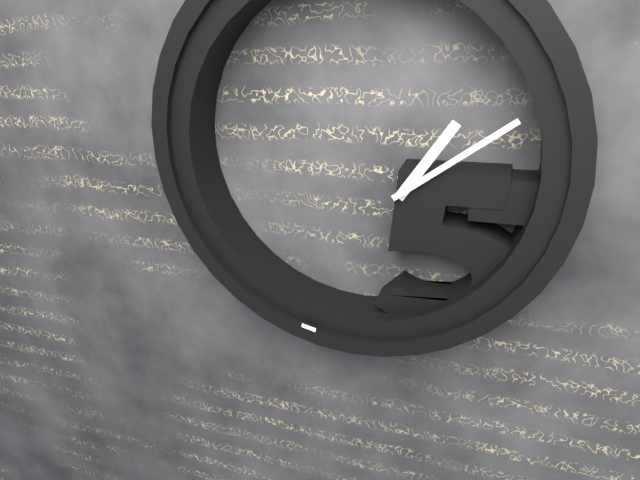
{"hour": 1, "minute": 9}
